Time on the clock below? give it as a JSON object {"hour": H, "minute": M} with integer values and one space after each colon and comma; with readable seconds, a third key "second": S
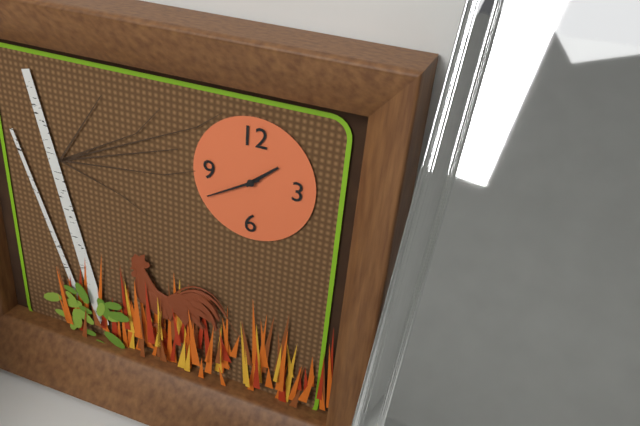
{"hour": 1, "minute": 40}
